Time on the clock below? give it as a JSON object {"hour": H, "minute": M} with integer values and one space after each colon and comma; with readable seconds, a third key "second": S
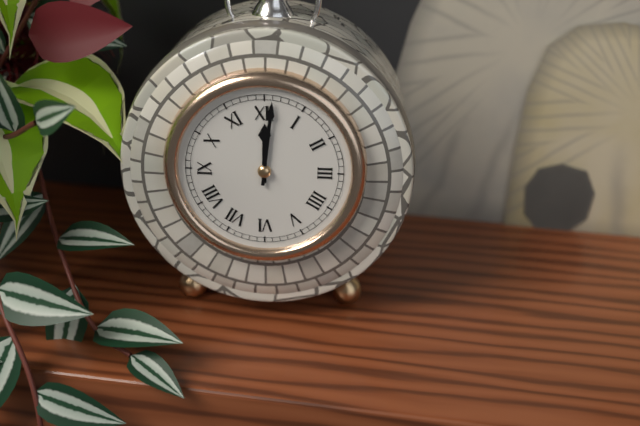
{"hour": 12, "minute": 1}
